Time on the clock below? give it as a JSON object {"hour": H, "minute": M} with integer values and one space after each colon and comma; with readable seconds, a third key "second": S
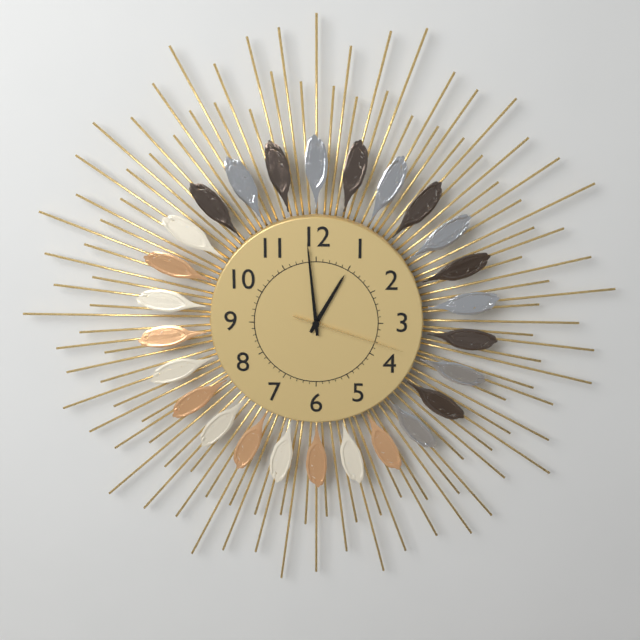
{"hour": 12, "minute": 59, "second": 18}
